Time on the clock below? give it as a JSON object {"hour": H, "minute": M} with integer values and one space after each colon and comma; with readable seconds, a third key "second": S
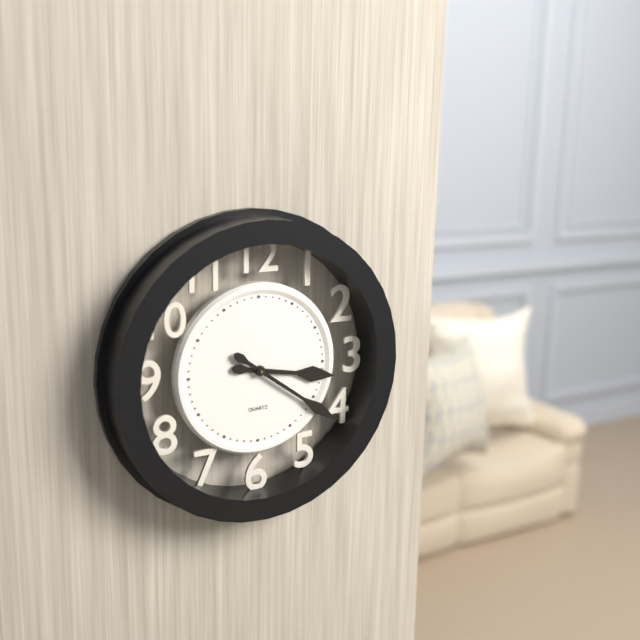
{"hour": 3, "minute": 21}
